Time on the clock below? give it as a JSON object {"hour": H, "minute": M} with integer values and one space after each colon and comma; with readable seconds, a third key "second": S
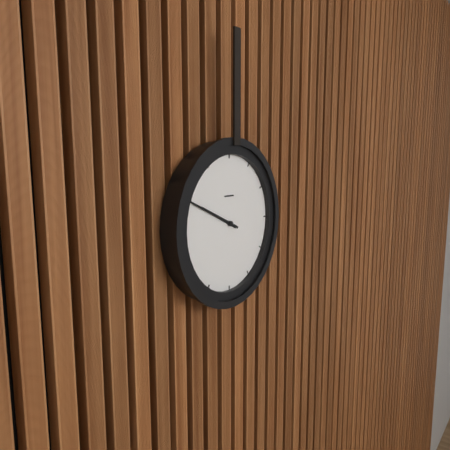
{"hour": 9, "minute": 49}
